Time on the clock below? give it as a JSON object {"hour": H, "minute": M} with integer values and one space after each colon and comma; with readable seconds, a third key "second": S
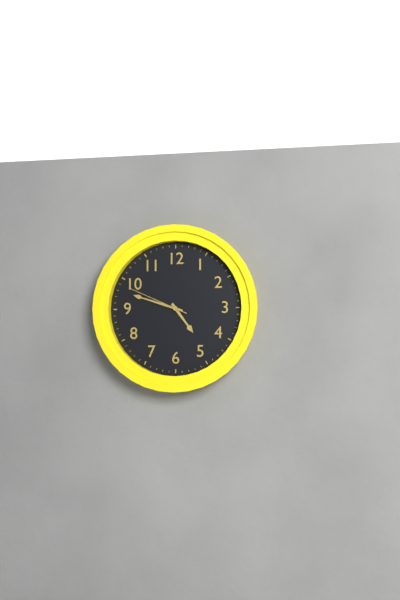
{"hour": 4, "minute": 48, "second": 49}
